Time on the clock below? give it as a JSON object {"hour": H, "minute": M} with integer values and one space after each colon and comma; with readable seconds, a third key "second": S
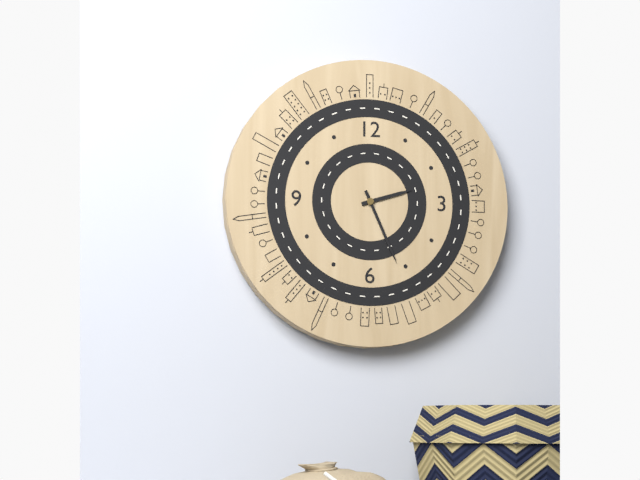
{"hour": 2, "minute": 26}
